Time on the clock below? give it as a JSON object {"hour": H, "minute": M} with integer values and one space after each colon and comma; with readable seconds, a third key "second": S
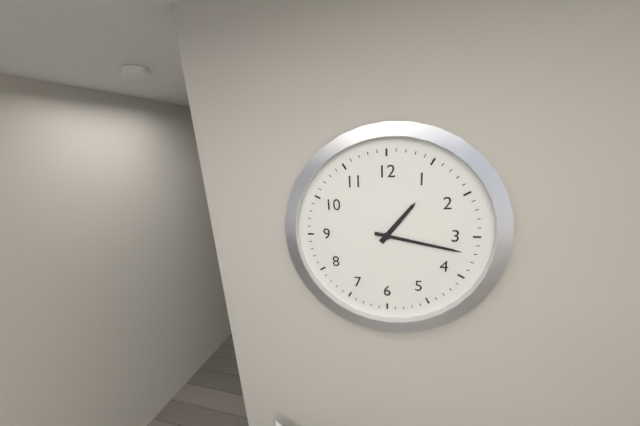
{"hour": 1, "minute": 17}
